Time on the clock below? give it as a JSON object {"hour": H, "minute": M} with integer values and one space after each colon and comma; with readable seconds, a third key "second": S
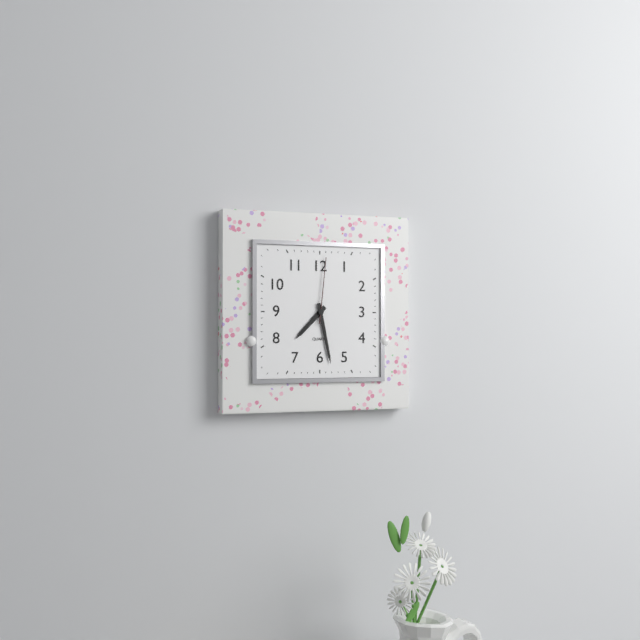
{"hour": 7, "minute": 28, "second": 1}
